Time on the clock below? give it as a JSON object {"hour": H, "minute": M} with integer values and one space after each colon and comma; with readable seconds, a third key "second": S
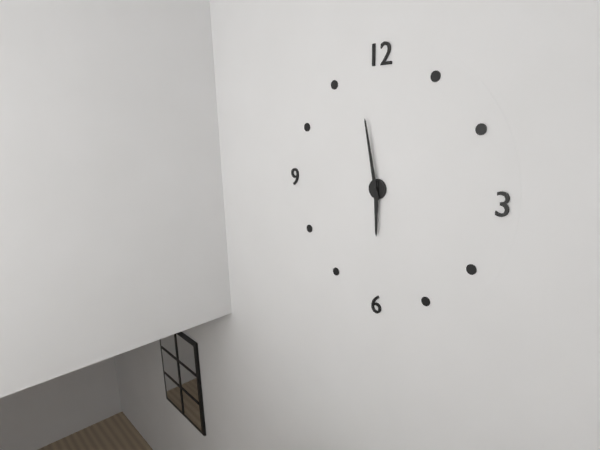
{"hour": 5, "minute": 58}
